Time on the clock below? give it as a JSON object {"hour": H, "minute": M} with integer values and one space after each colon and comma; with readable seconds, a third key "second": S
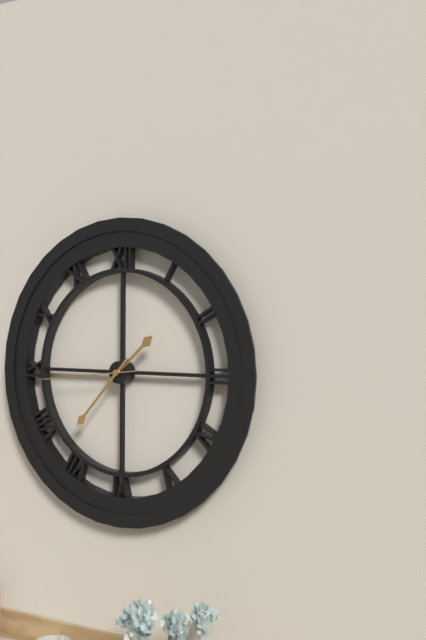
{"hour": 1, "minute": 37, "second": 44}
